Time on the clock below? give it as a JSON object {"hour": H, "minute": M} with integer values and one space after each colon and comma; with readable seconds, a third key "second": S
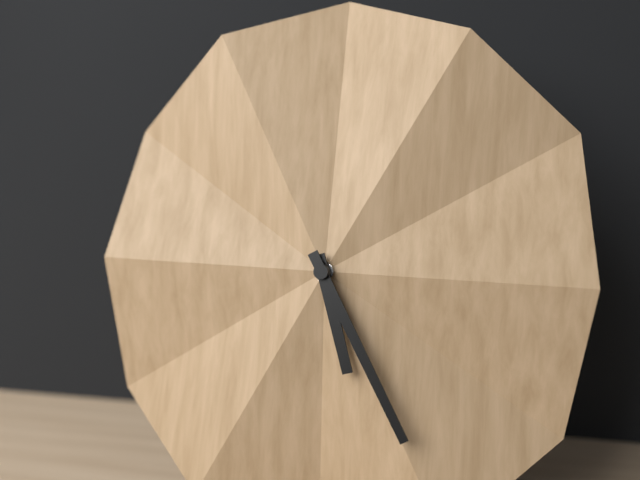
{"hour": 5, "minute": 25}
